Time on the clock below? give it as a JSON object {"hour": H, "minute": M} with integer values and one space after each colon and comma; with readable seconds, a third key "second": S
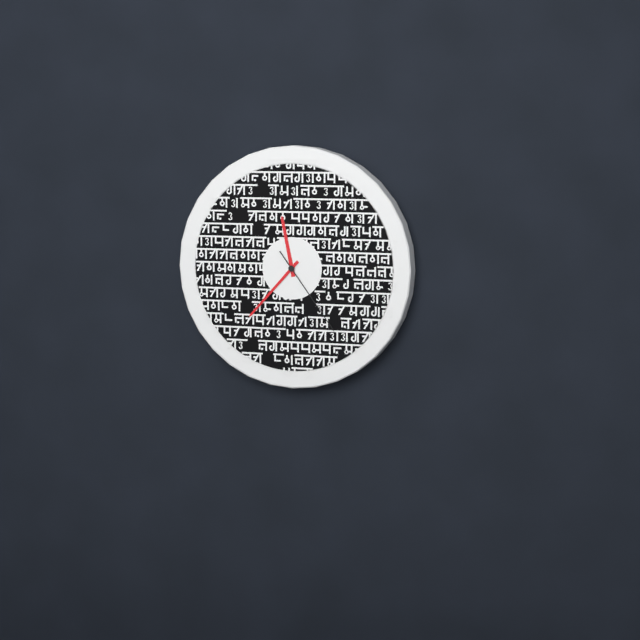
{"hour": 11, "minute": 37, "second": 24}
